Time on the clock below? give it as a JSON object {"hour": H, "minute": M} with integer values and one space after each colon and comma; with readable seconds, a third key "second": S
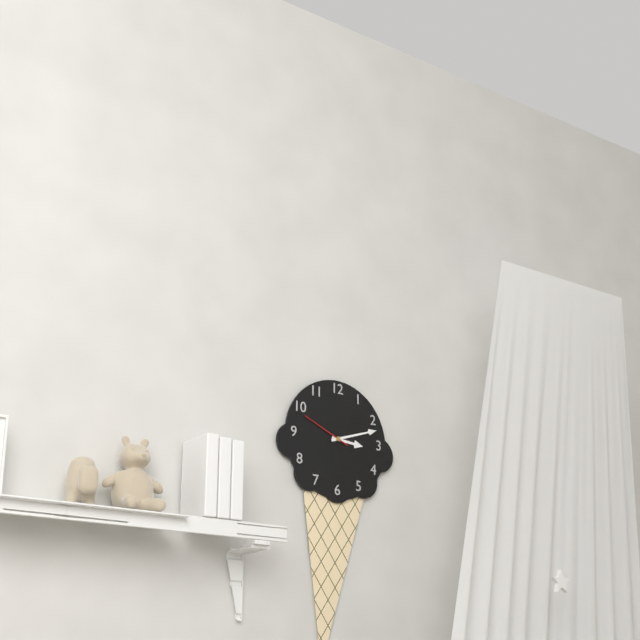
{"hour": 3, "minute": 12, "second": 49}
